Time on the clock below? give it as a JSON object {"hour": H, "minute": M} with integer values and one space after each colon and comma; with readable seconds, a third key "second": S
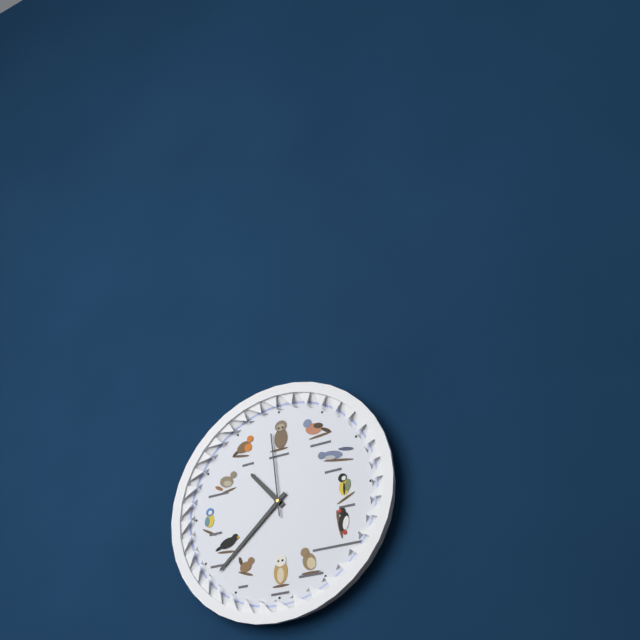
{"hour": 10, "minute": 38, "second": 59}
